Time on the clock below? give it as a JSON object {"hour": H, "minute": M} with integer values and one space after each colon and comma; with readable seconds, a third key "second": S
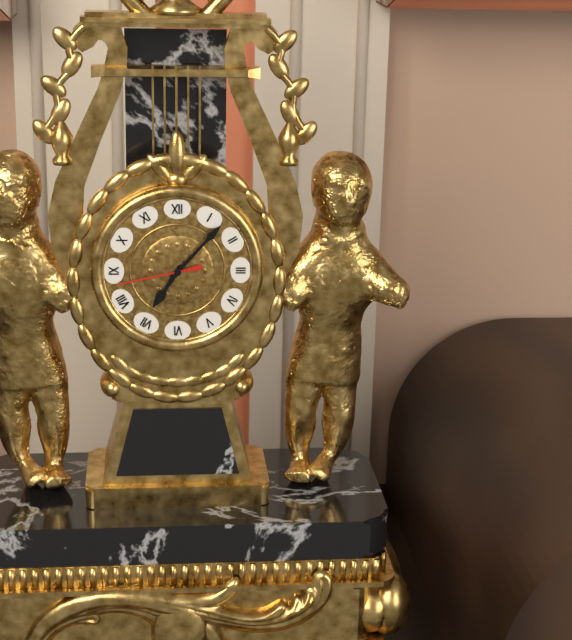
{"hour": 7, "minute": 7, "second": 43}
